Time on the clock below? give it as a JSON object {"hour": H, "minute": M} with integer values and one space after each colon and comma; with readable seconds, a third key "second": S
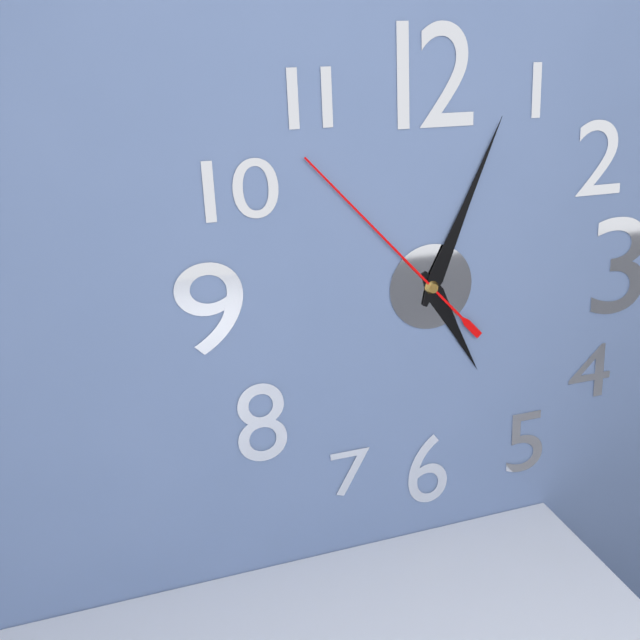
{"hour": 5, "minute": 4, "second": 53}
